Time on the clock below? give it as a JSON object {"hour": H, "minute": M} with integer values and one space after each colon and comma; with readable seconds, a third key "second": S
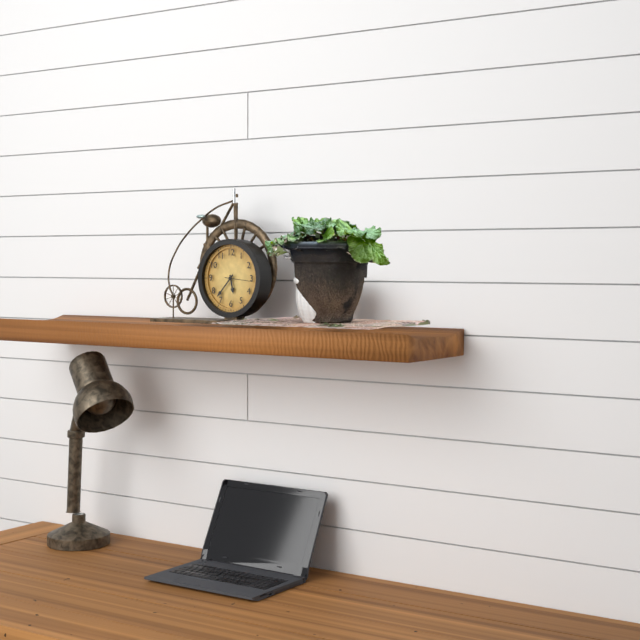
{"hour": 5, "minute": 37}
